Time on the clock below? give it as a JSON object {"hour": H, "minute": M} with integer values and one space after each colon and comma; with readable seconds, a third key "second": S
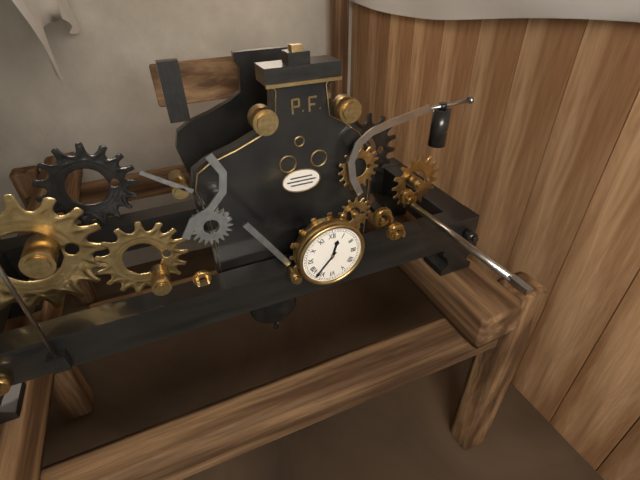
{"hour": 12, "minute": 37}
